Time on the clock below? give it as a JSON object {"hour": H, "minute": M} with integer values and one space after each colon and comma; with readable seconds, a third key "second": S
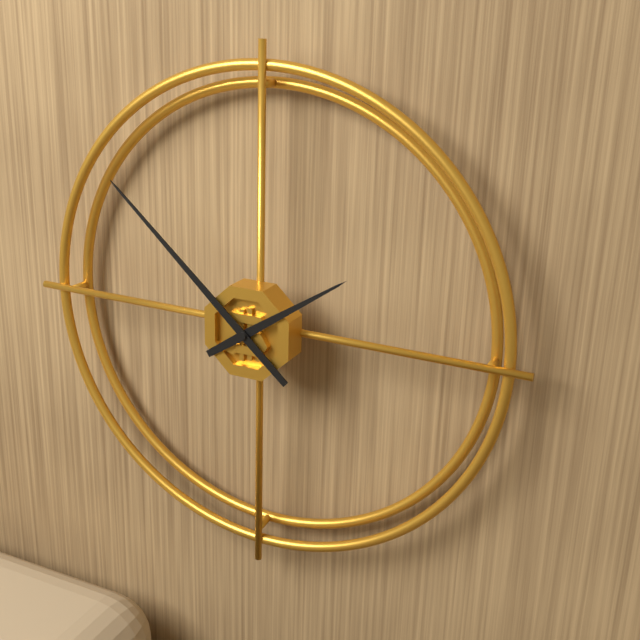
{"hour": 1, "minute": 52}
